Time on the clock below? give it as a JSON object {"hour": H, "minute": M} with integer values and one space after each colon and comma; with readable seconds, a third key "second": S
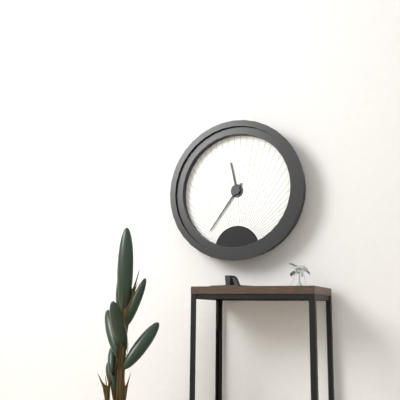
{"hour": 11, "minute": 36}
